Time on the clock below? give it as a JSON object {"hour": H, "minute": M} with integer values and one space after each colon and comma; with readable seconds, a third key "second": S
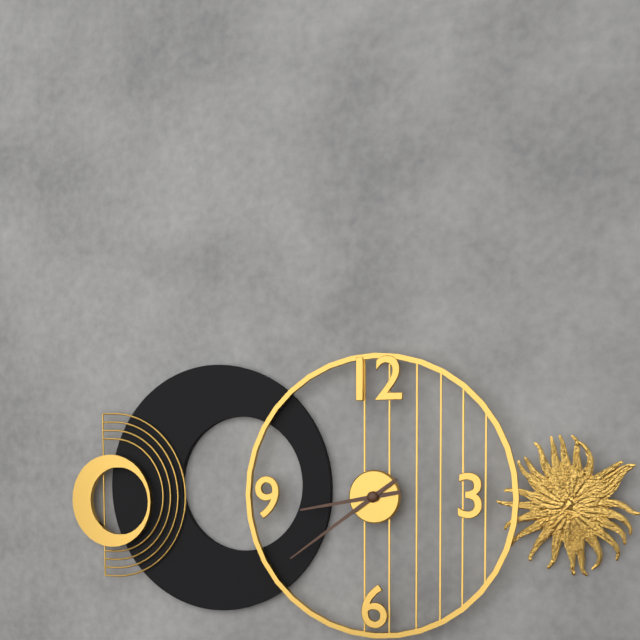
{"hour": 8, "minute": 39}
